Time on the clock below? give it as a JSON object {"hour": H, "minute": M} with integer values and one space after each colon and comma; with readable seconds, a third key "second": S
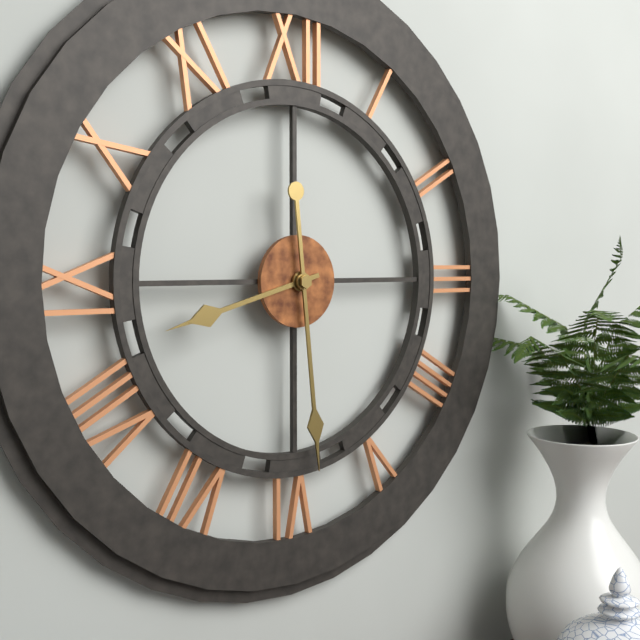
{"hour": 8, "minute": 29}
